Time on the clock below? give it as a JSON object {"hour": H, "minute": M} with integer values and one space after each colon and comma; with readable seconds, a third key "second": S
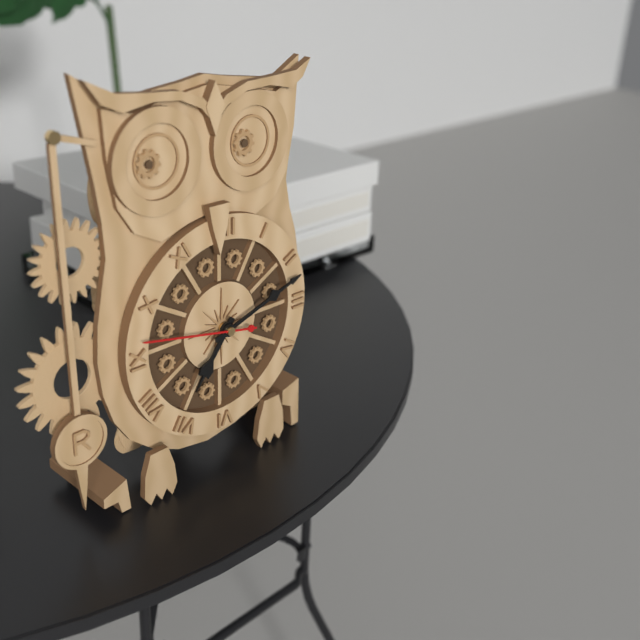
{"hour": 7, "minute": 12, "second": 47}
